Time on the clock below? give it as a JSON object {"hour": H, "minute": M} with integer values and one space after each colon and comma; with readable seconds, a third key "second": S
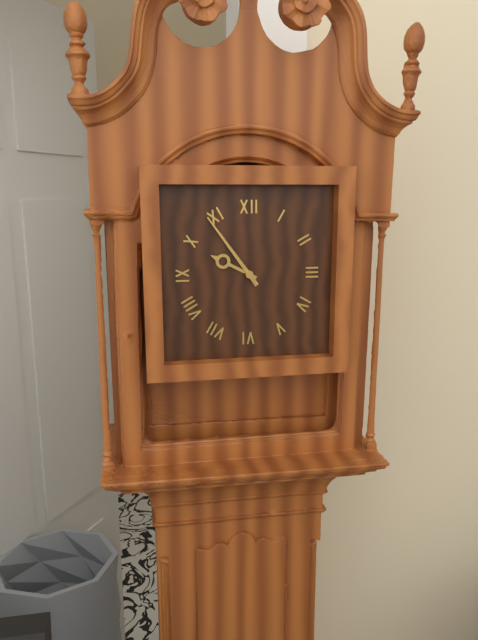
{"hour": 9, "minute": 54}
